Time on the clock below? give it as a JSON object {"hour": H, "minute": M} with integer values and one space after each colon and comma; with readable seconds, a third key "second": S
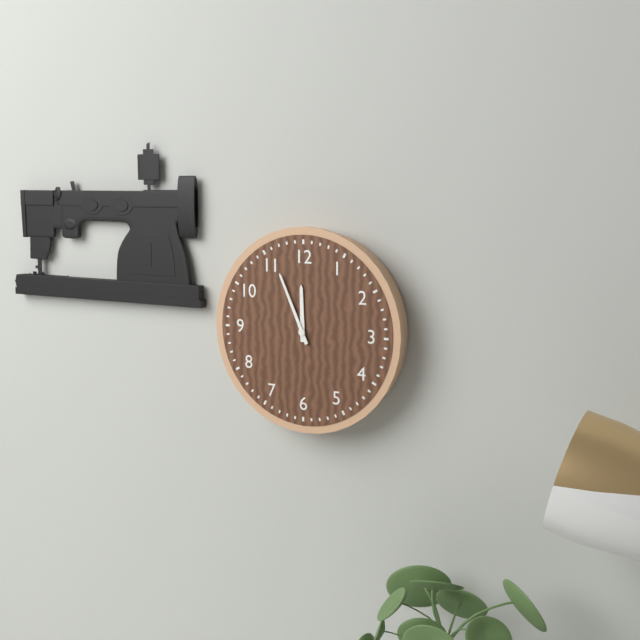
{"hour": 11, "minute": 56}
